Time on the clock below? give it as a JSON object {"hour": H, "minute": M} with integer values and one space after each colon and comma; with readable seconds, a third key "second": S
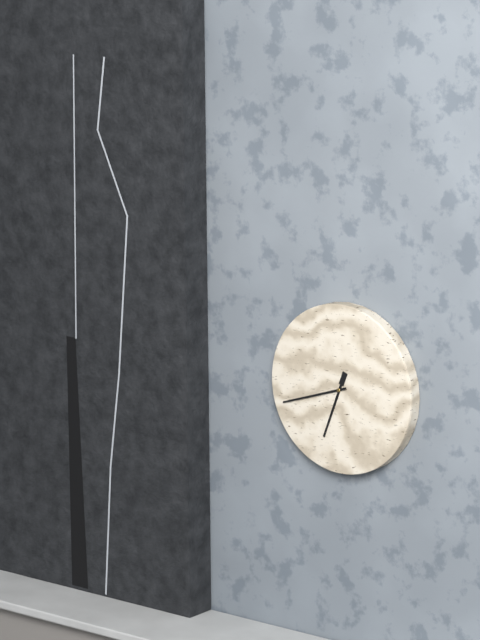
{"hour": 6, "minute": 42}
